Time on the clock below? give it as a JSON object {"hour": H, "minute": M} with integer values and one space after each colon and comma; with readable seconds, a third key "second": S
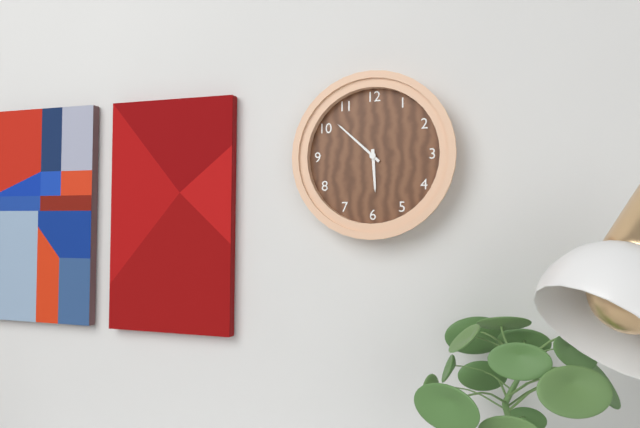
{"hour": 5, "minute": 52}
